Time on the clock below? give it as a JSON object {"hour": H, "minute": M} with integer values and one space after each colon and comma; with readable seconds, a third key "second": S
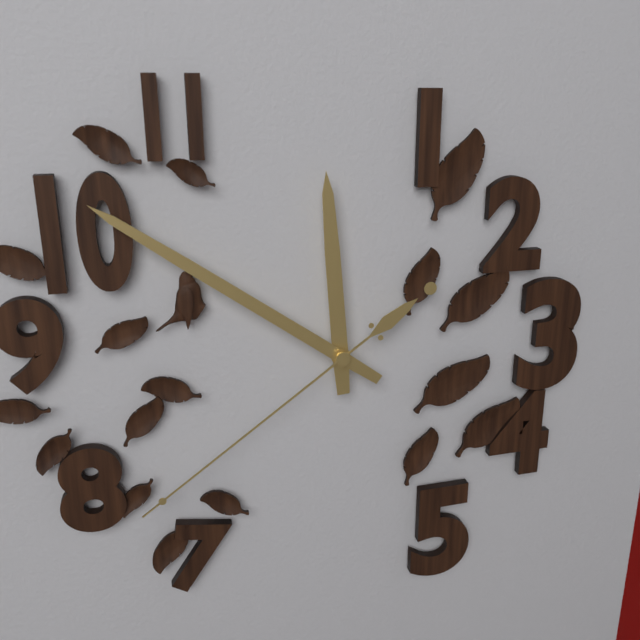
{"hour": 11, "minute": 51, "second": 39}
